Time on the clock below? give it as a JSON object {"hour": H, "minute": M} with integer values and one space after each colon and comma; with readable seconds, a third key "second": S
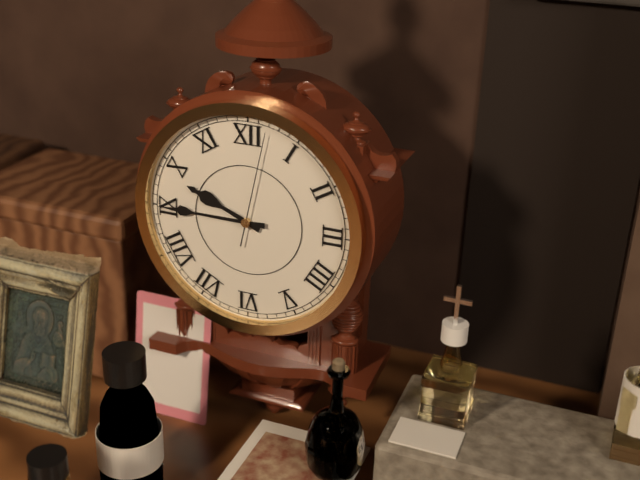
{"hour": 9, "minute": 45, "second": 2}
